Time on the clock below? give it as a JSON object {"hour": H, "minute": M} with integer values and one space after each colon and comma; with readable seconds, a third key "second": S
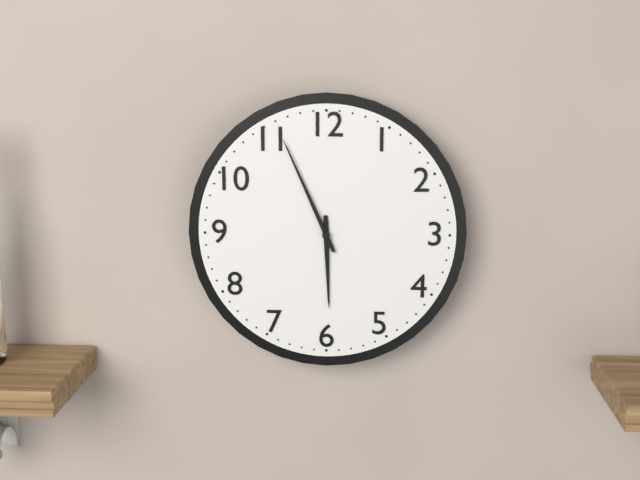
{"hour": 5, "minute": 56}
